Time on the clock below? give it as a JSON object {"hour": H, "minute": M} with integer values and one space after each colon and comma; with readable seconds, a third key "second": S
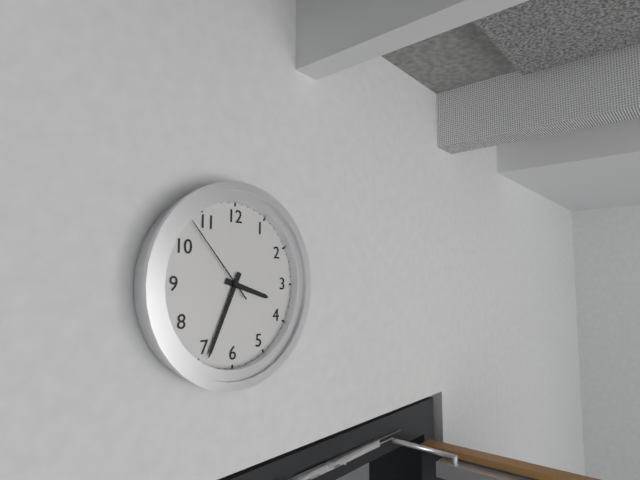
{"hour": 3, "minute": 34, "second": 53}
